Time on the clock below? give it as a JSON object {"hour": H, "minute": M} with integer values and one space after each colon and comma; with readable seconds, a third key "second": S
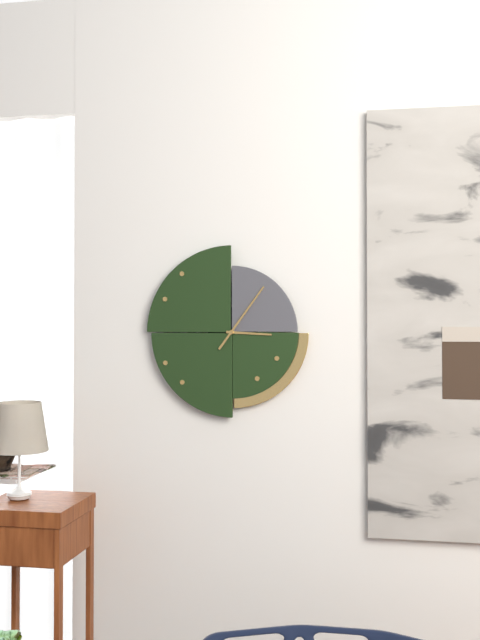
{"hour": 3, "minute": 6}
